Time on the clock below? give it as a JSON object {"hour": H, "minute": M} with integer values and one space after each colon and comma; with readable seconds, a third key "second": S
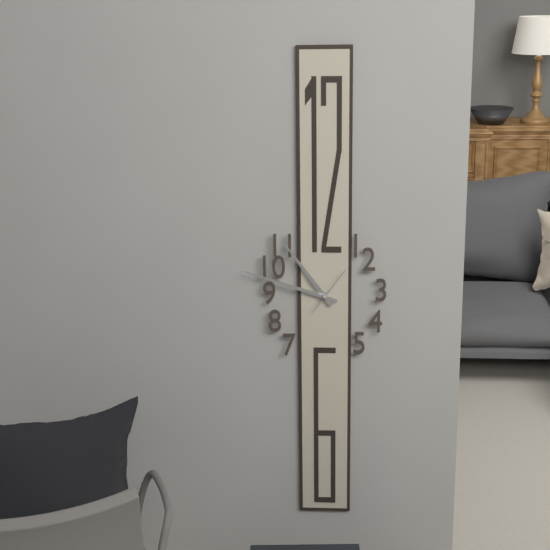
{"hour": 10, "minute": 48}
